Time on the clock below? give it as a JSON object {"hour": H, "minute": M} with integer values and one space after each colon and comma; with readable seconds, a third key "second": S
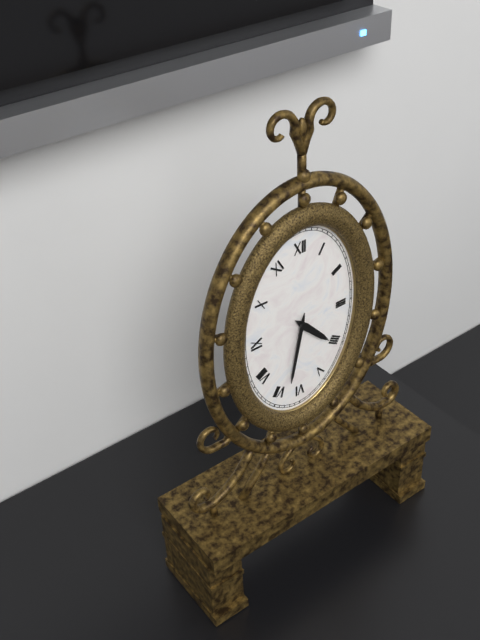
{"hour": 4, "minute": 32}
